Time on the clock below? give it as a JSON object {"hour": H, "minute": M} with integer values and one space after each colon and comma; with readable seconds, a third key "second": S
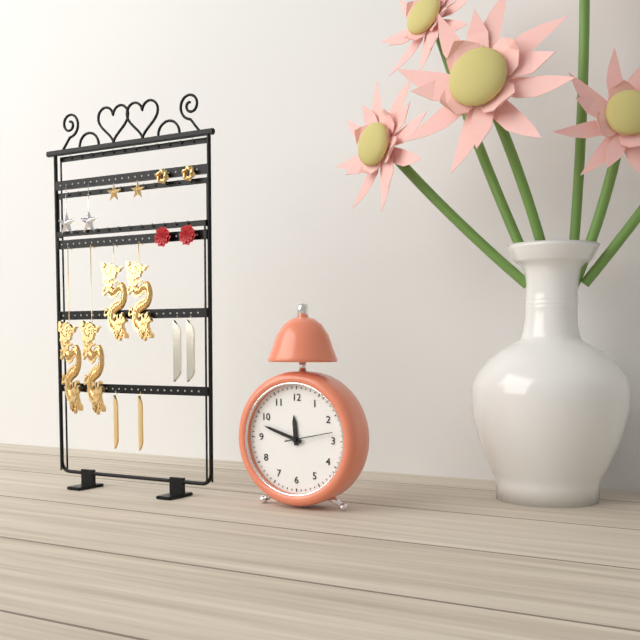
{"hour": 11, "minute": 48}
